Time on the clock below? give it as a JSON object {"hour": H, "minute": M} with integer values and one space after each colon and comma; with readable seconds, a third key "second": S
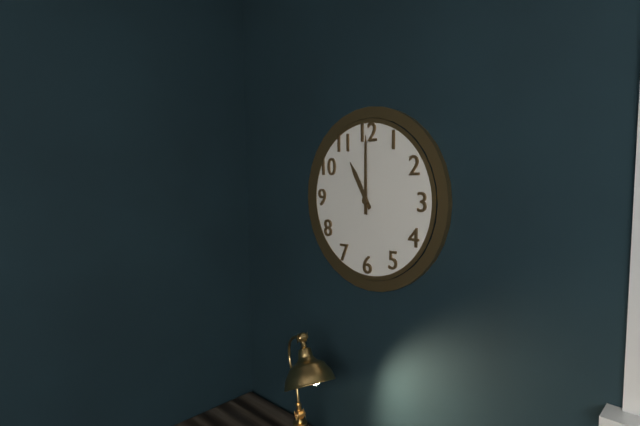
{"hour": 11, "minute": 0}
